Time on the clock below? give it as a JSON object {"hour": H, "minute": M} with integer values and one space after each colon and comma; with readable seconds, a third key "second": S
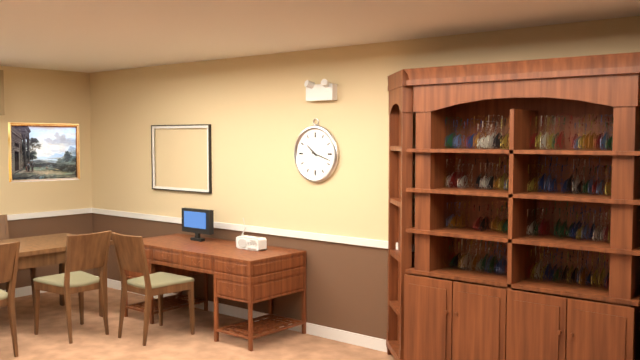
{"hour": 10, "minute": 18}
